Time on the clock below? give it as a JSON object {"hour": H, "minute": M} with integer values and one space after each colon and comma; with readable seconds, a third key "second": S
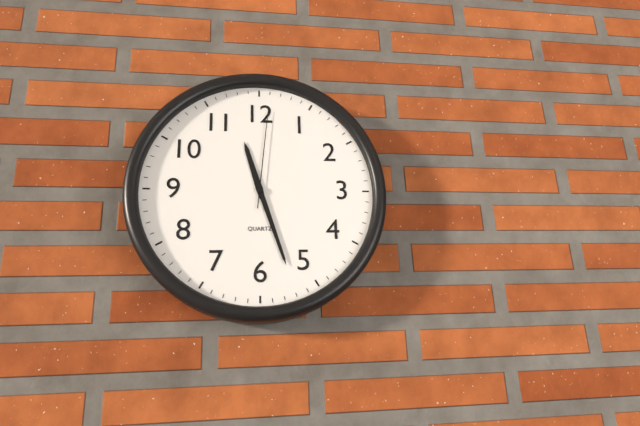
{"hour": 11, "minute": 27, "second": 1}
